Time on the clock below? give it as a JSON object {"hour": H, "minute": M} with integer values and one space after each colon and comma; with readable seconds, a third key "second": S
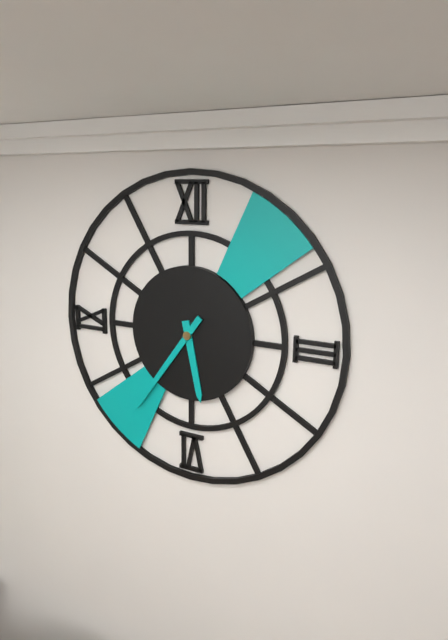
{"hour": 5, "minute": 36}
